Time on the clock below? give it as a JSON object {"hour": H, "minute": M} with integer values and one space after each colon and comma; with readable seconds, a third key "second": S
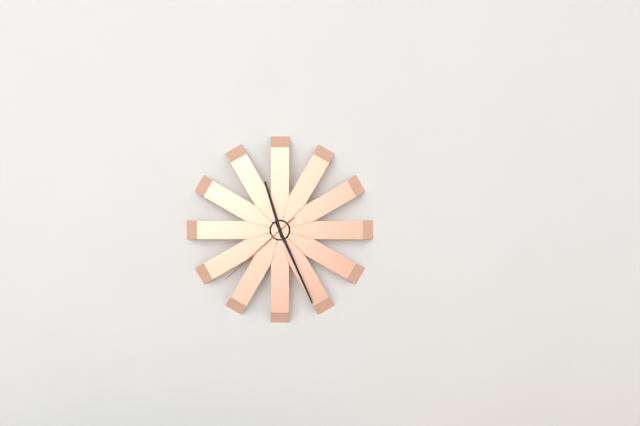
{"hour": 11, "minute": 26, "second": 38}
